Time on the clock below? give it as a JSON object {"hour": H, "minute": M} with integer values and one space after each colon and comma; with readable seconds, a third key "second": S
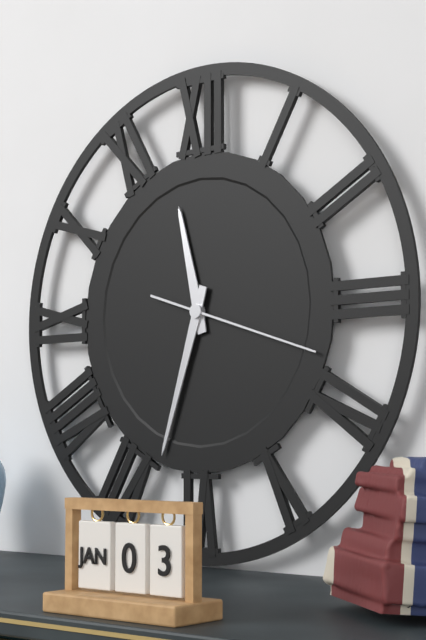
{"hour": 11, "minute": 33, "second": 18}
